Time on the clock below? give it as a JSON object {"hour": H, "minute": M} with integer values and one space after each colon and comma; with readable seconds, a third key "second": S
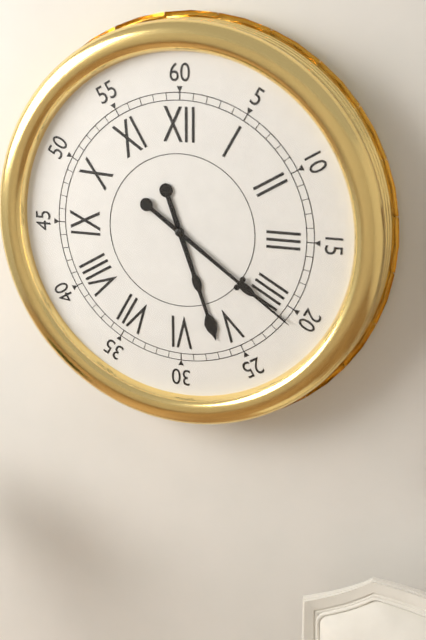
{"hour": 5, "minute": 21}
